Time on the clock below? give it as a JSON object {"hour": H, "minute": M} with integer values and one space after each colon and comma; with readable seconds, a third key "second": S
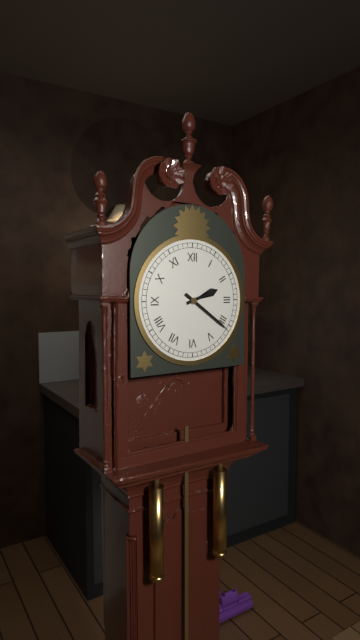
{"hour": 2, "minute": 21}
